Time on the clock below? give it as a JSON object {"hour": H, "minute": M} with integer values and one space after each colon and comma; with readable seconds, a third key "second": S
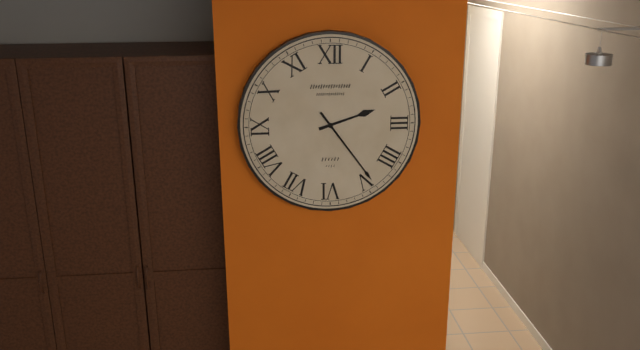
{"hour": 2, "minute": 24}
